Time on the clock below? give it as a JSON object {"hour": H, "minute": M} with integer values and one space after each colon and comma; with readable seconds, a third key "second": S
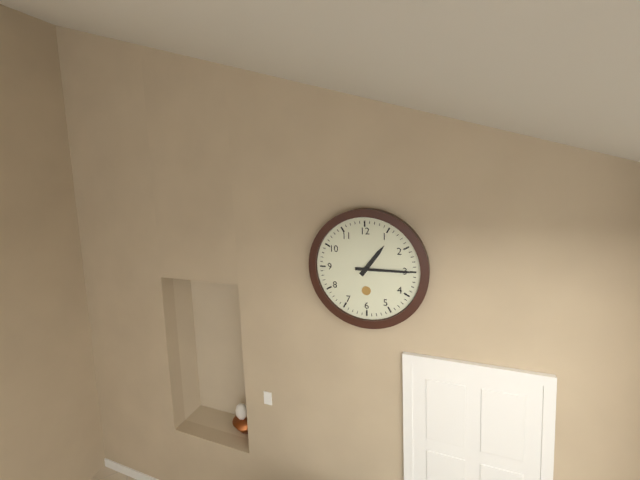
{"hour": 1, "minute": 15}
